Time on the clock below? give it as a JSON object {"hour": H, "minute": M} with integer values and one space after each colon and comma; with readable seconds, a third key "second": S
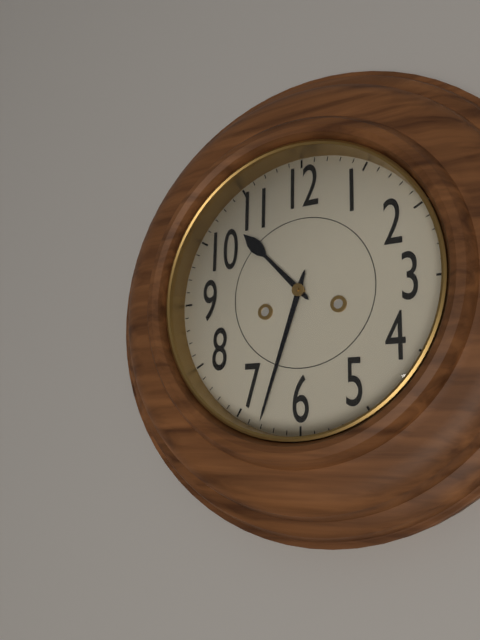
{"hour": 10, "minute": 33}
